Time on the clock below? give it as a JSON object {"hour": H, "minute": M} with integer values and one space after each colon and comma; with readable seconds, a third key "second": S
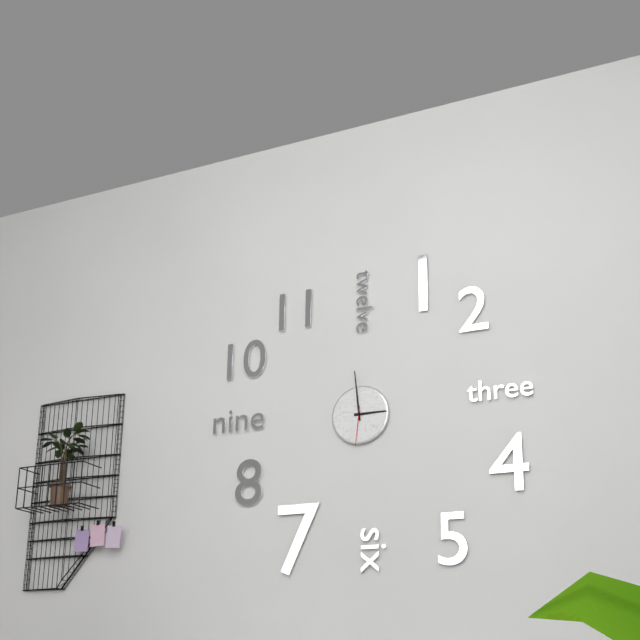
{"hour": 2, "minute": 59}
